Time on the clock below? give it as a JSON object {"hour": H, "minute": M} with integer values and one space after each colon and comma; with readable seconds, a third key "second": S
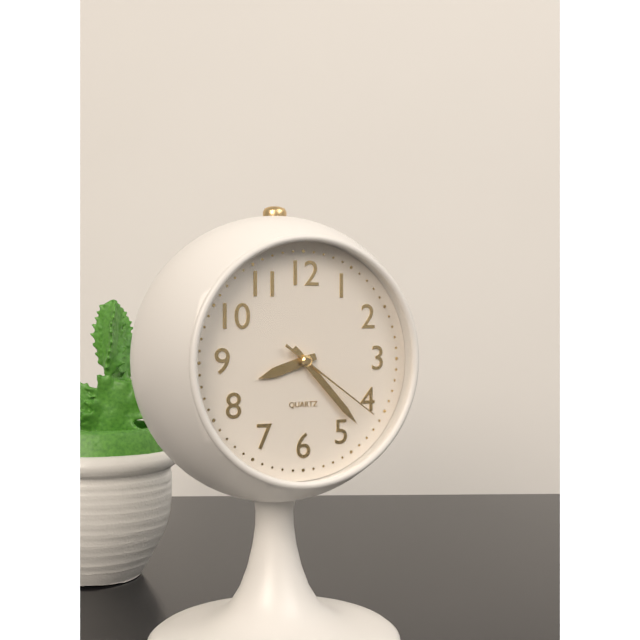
{"hour": 8, "minute": 23, "second": 21}
